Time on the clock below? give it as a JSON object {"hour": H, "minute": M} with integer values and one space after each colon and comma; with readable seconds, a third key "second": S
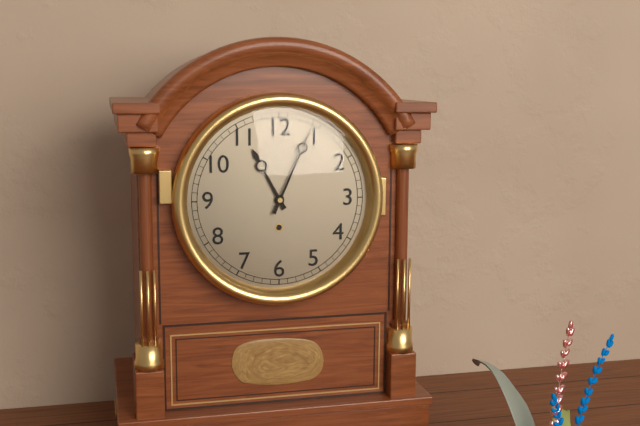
{"hour": 11, "minute": 4}
